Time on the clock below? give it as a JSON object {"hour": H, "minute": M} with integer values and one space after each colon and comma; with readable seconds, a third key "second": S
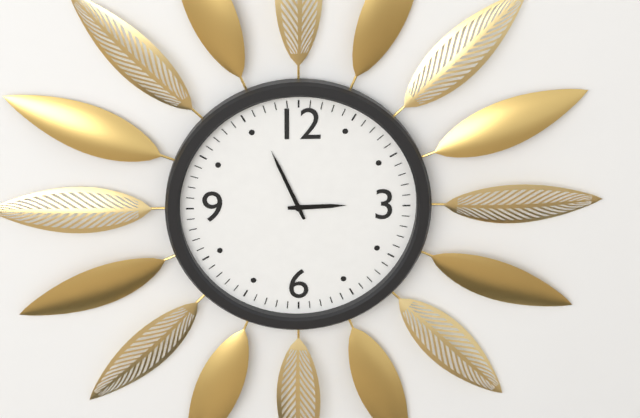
{"hour": 2, "minute": 56}
